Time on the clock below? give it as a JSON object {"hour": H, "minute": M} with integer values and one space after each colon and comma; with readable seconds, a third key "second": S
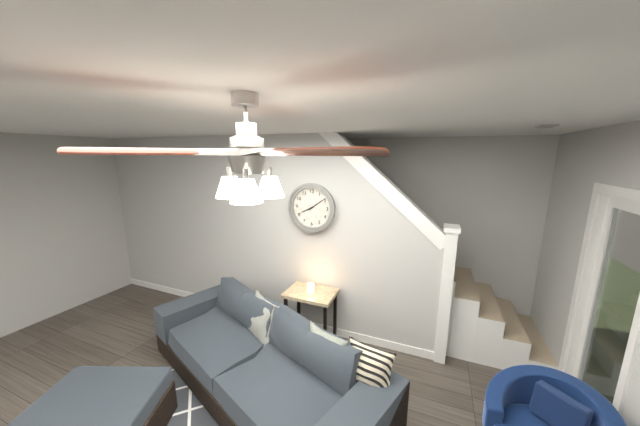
{"hour": 8, "minute": 9}
